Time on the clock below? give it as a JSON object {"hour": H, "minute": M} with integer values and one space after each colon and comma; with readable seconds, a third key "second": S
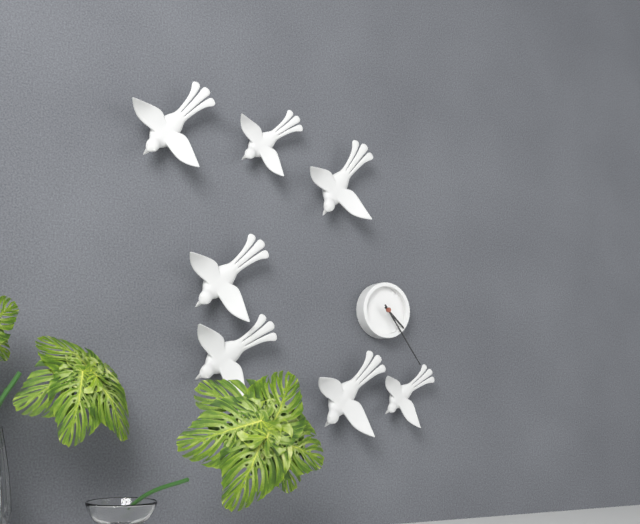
{"hour": 4, "minute": 24}
